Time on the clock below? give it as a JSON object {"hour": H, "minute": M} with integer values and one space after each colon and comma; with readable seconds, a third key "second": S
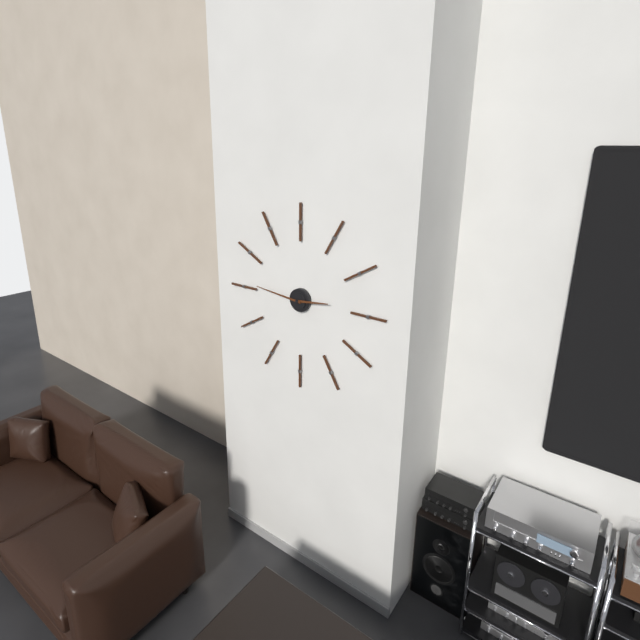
{"hour": 2, "minute": 46}
